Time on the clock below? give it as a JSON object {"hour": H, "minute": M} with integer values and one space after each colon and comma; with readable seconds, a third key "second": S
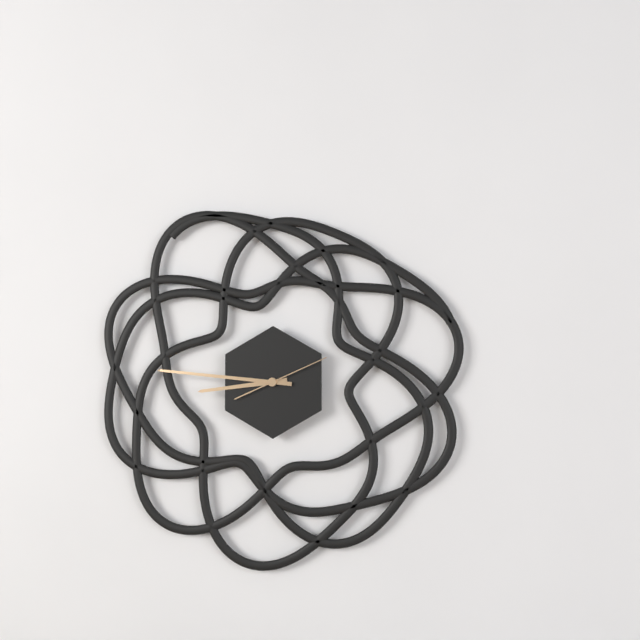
{"hour": 8, "minute": 46, "second": 11}
